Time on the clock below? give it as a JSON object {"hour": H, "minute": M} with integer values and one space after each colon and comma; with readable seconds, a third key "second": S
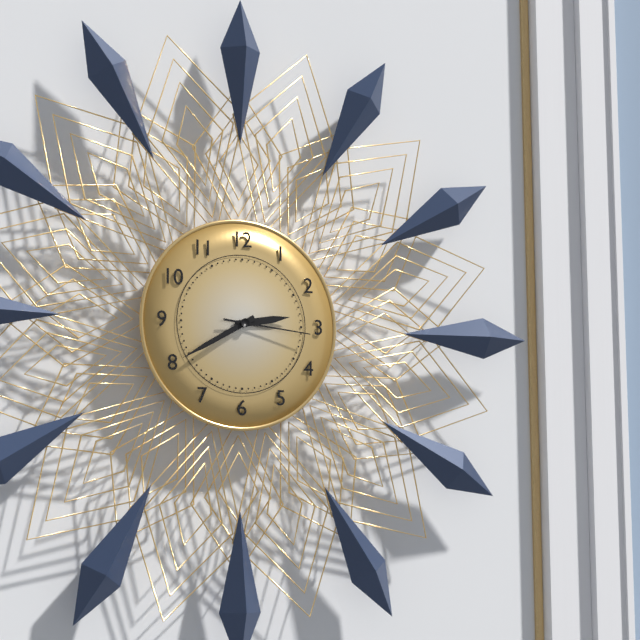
{"hour": 2, "minute": 40, "second": 16}
